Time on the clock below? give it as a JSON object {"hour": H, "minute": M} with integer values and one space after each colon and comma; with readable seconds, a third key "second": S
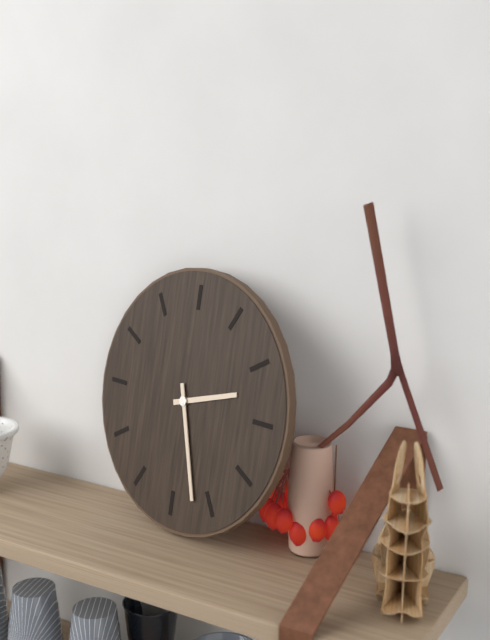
{"hour": 2, "minute": 27}
